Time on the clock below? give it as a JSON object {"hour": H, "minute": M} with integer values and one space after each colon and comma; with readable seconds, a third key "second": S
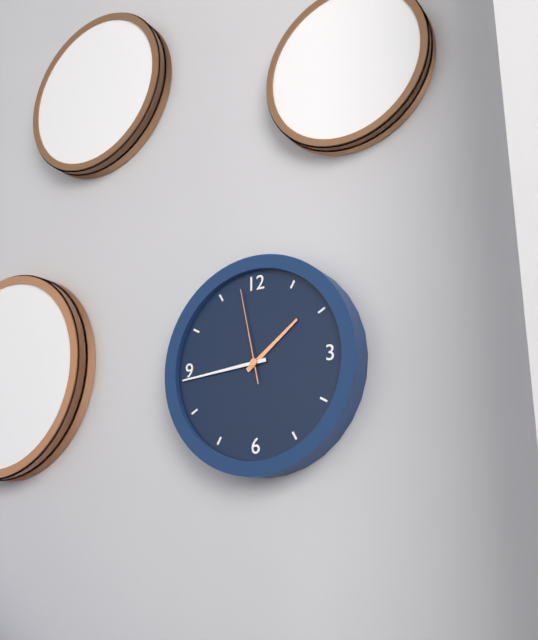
{"hour": 1, "minute": 44, "second": 58}
